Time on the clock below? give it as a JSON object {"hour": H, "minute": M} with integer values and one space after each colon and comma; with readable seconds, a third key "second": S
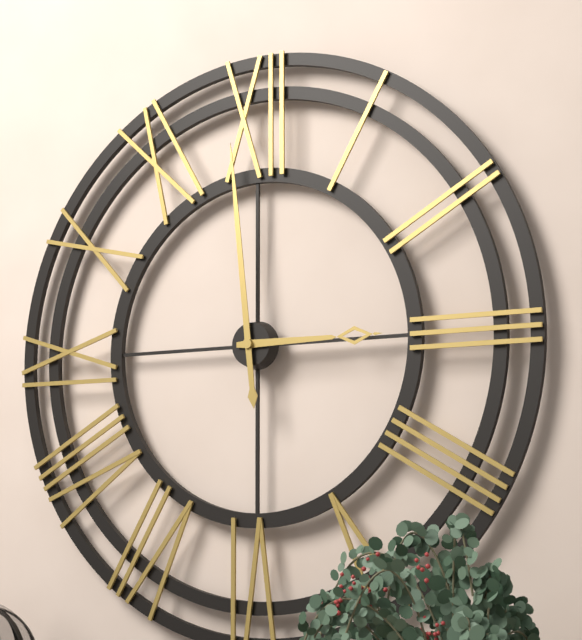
{"hour": 2, "minute": 59}
